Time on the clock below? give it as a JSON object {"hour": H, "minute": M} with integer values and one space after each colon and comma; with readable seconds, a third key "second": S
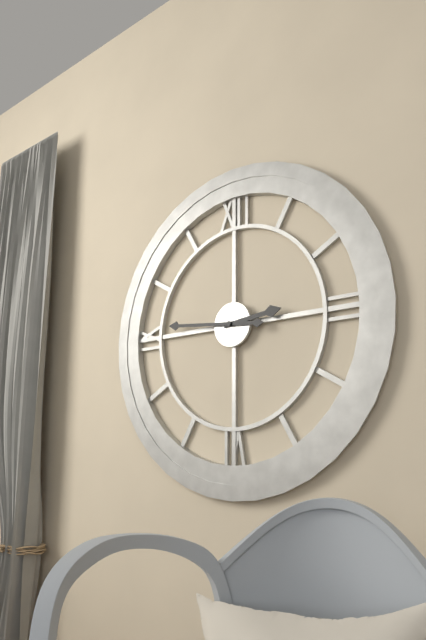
{"hour": 2, "minute": 46}
